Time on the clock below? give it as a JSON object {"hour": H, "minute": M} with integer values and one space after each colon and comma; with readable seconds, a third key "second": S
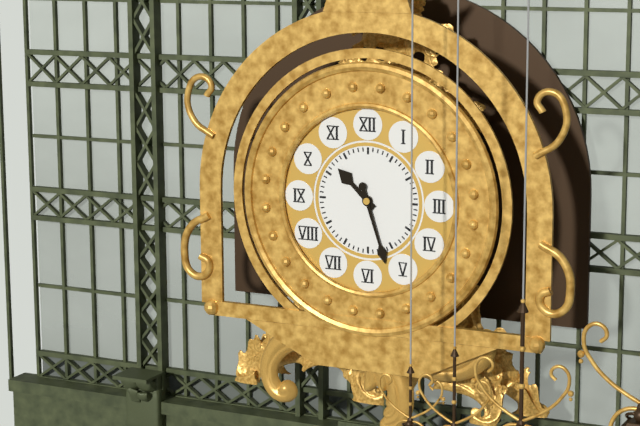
{"hour": 10, "minute": 27}
